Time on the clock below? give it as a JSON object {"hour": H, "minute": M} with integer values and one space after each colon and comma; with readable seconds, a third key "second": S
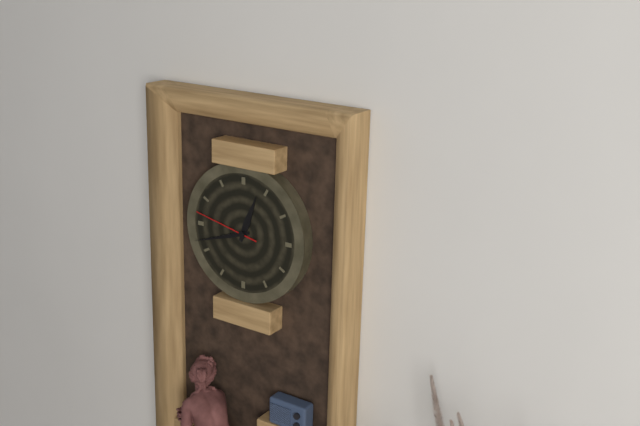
{"hour": 12, "minute": 42, "second": 47}
